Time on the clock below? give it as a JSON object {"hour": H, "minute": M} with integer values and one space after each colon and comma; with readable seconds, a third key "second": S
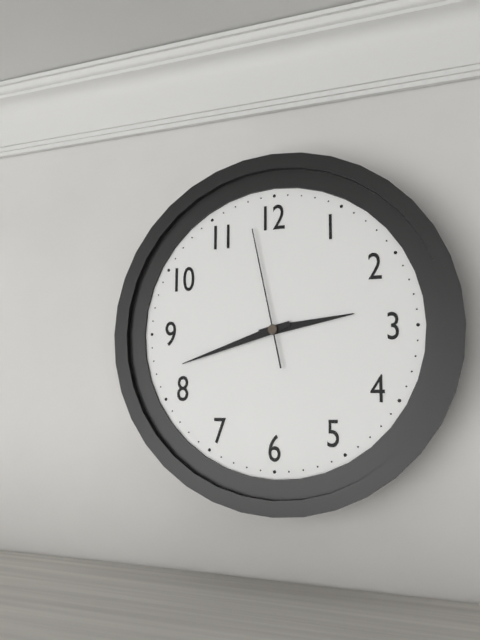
{"hour": 2, "minute": 42, "second": 58}
